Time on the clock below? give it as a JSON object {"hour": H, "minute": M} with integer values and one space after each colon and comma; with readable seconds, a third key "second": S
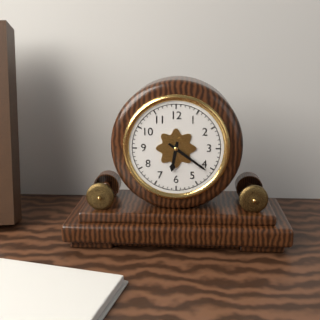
{"hour": 6, "minute": 21}
